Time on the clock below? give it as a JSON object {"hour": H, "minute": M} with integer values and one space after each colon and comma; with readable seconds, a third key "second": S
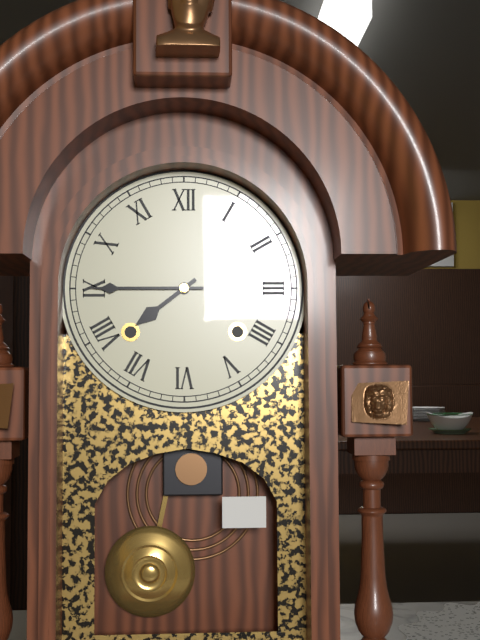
{"hour": 7, "minute": 45}
